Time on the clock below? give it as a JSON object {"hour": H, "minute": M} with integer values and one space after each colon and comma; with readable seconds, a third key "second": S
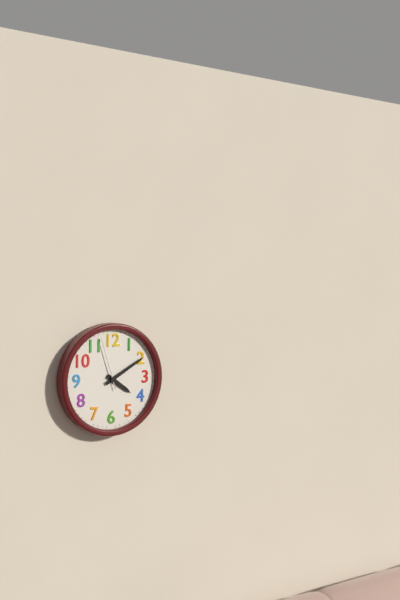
{"hour": 4, "minute": 10, "second": 57}
